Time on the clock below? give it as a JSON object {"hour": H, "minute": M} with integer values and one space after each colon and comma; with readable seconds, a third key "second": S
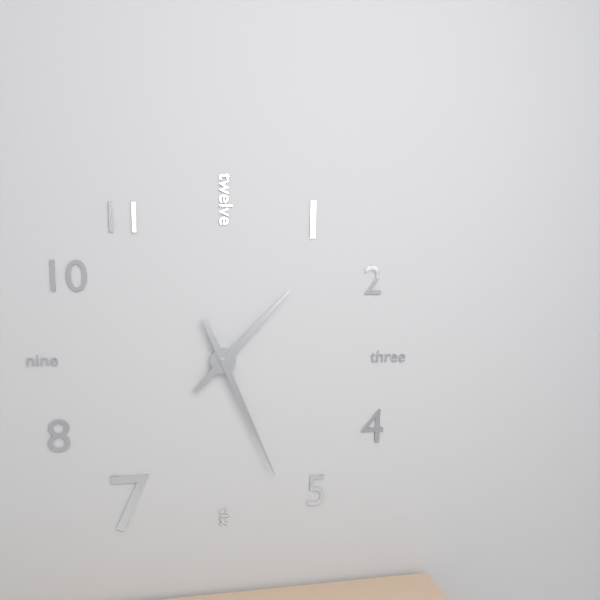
{"hour": 1, "minute": 26}
